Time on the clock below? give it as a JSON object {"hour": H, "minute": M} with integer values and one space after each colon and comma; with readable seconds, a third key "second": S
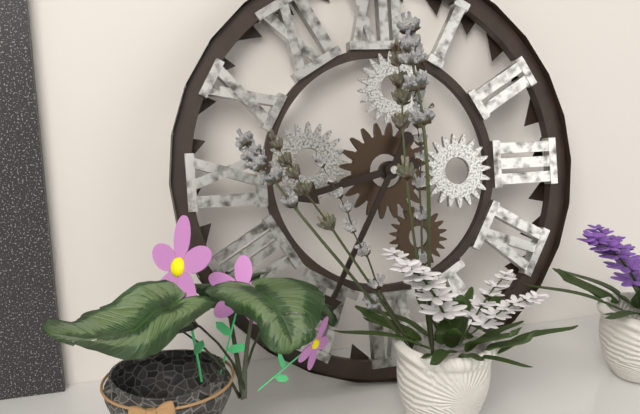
{"hour": 8, "minute": 35}
